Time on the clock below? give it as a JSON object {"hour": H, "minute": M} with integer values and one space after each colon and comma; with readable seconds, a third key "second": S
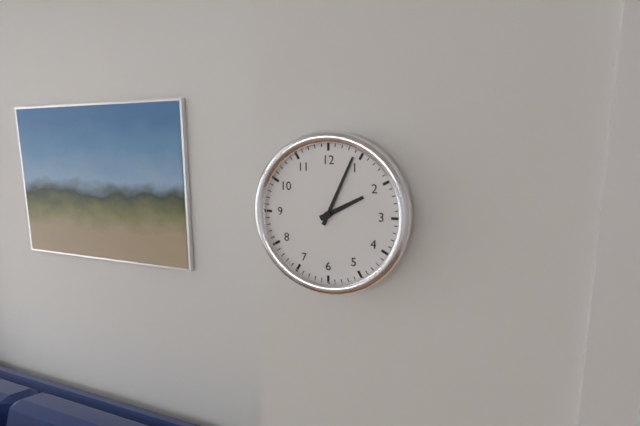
{"hour": 2, "minute": 4}
